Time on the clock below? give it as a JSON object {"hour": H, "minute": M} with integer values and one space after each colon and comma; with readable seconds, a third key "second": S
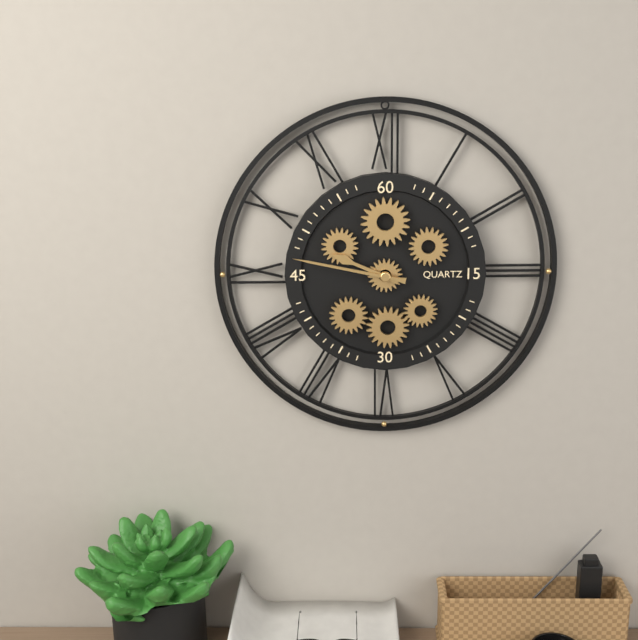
{"hour": 9, "minute": 47}
